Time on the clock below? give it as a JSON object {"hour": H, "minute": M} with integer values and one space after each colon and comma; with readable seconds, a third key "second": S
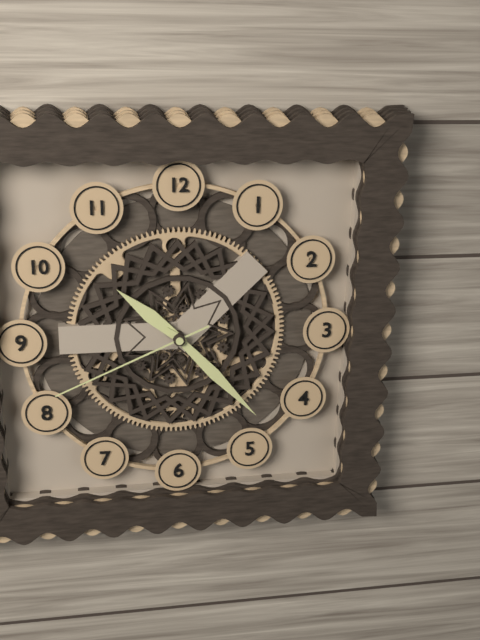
{"hour": 10, "minute": 23, "second": 41}
